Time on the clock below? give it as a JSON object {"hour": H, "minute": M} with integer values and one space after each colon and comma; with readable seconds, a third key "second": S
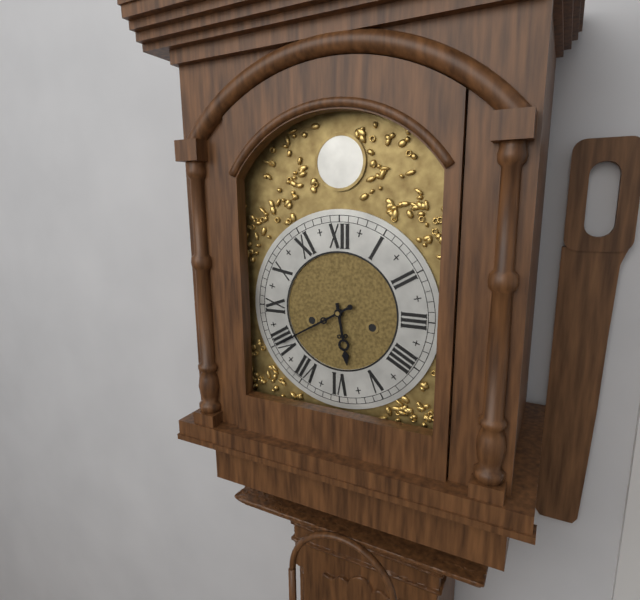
{"hour": 5, "minute": 40}
